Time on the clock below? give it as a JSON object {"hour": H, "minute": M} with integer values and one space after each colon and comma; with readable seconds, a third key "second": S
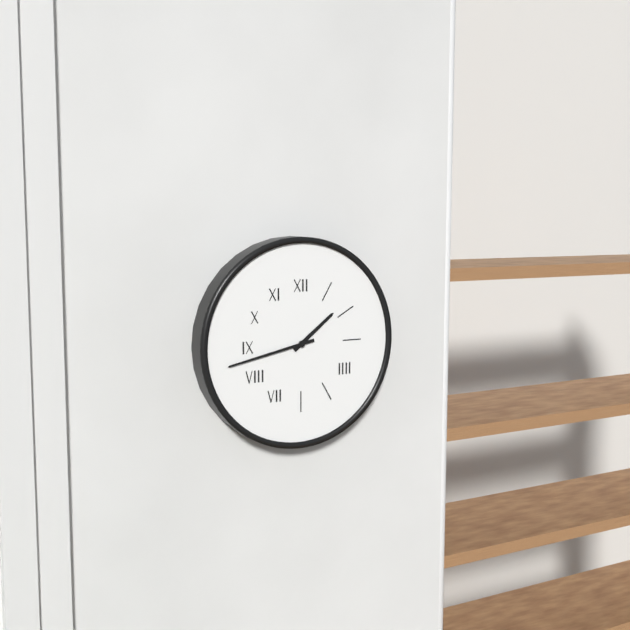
{"hour": 1, "minute": 43}
